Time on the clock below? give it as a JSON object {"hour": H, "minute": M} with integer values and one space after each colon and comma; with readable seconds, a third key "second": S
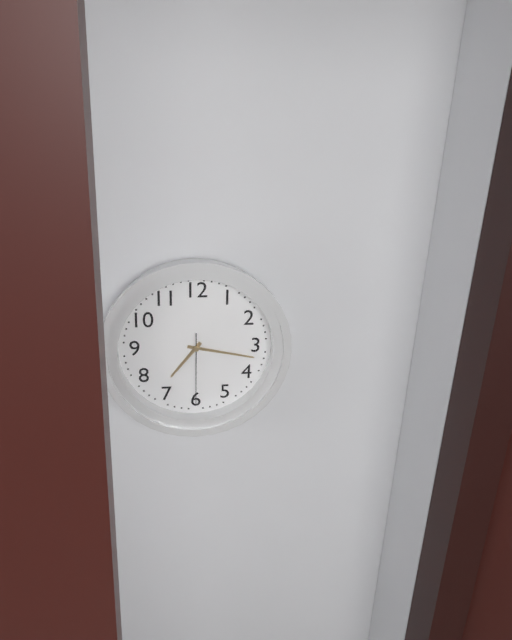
{"hour": 7, "minute": 17, "second": 30}
